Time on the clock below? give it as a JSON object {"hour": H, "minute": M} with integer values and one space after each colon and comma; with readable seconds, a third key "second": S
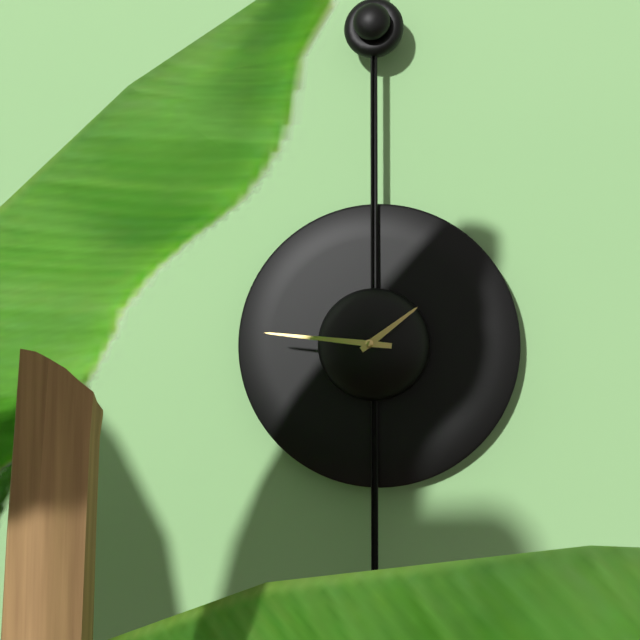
{"hour": 1, "minute": 46}
